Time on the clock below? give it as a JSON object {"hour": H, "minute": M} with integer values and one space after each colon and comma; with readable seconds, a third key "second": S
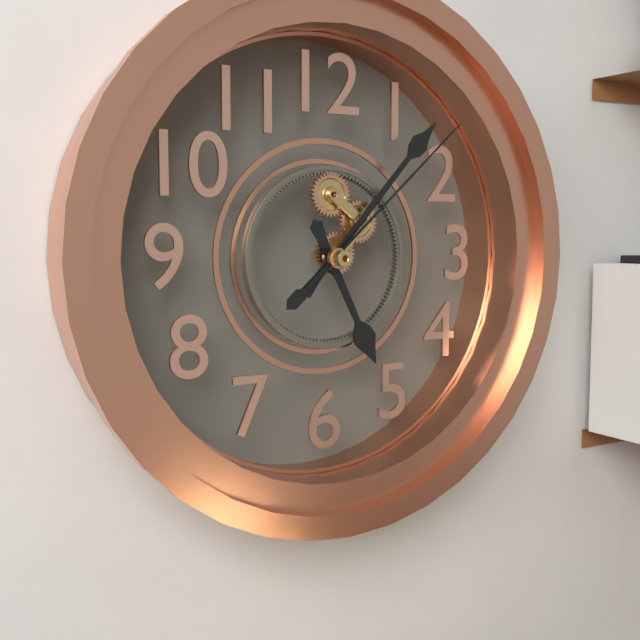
{"hour": 5, "minute": 7, "second": 8}
